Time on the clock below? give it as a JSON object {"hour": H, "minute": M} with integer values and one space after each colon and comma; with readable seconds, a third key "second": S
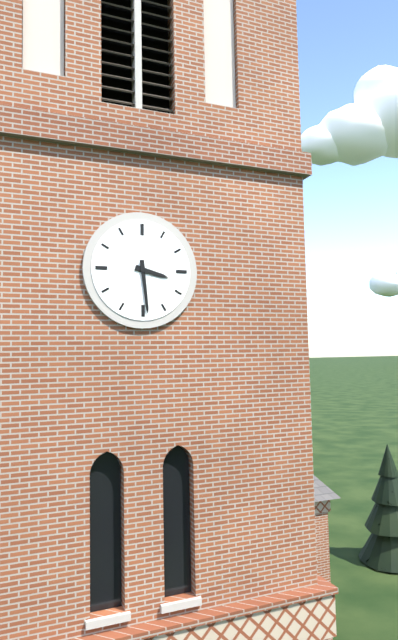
{"hour": 3, "minute": 29}
